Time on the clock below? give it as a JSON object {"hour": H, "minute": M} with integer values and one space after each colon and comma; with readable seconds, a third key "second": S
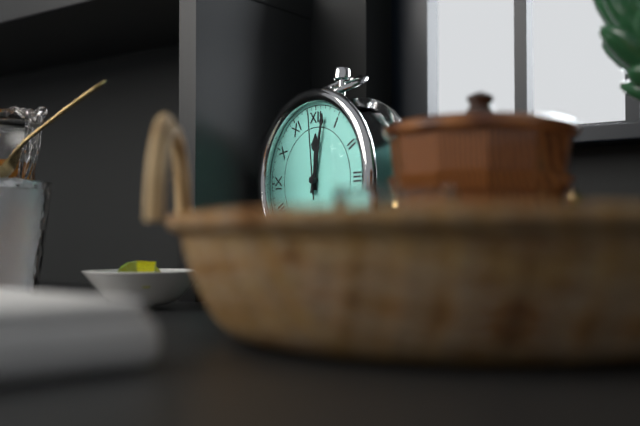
{"hour": 12, "minute": 2, "second": 59}
